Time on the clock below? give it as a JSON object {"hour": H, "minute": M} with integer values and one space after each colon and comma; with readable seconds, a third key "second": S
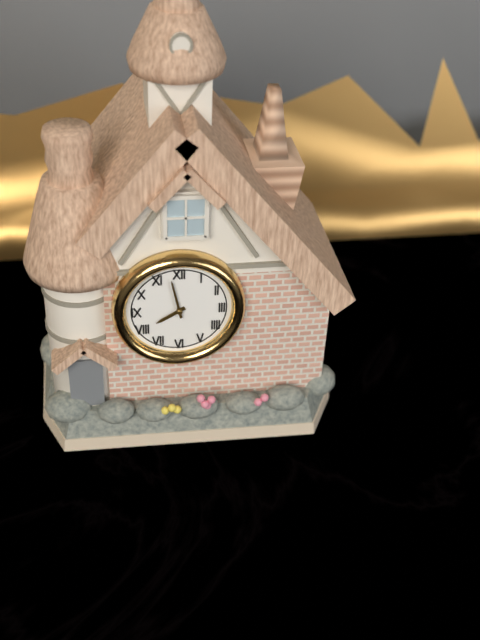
{"hour": 7, "minute": 58}
